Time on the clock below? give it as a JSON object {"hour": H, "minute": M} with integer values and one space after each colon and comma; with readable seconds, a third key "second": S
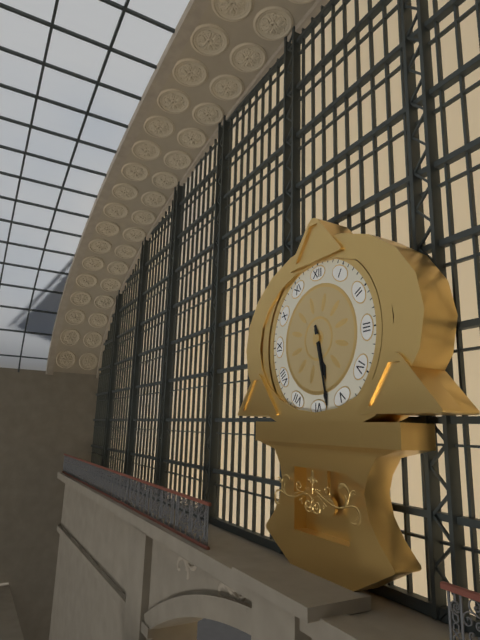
{"hour": 5, "minute": 28}
